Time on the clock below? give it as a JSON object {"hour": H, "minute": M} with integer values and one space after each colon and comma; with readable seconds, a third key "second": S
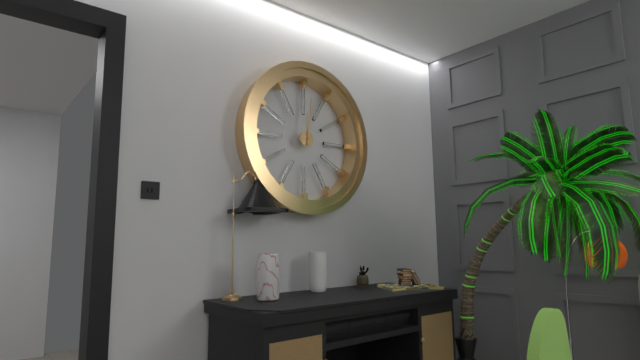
{"hour": 12, "minute": 1}
